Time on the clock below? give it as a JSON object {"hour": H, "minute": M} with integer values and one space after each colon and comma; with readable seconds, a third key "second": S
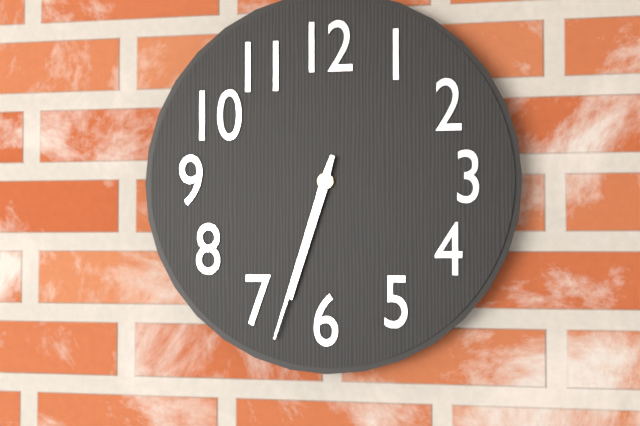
{"hour": 6, "minute": 33}
